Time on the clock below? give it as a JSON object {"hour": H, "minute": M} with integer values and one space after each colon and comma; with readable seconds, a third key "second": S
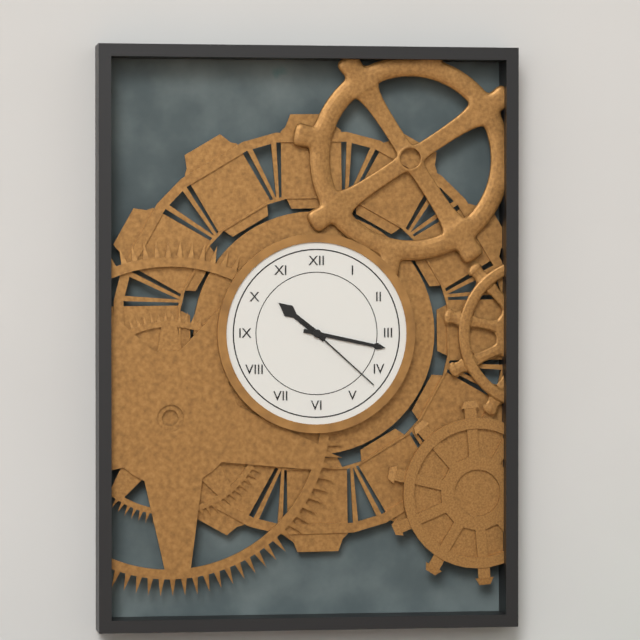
{"hour": 10, "minute": 17, "second": 22}
